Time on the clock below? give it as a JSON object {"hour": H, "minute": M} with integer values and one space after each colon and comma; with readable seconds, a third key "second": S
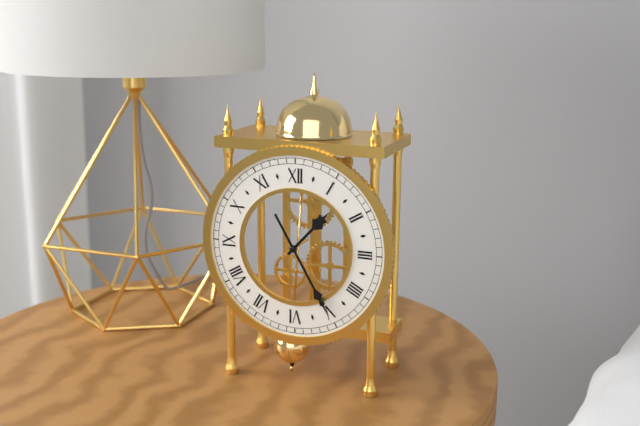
{"hour": 1, "minute": 25}
